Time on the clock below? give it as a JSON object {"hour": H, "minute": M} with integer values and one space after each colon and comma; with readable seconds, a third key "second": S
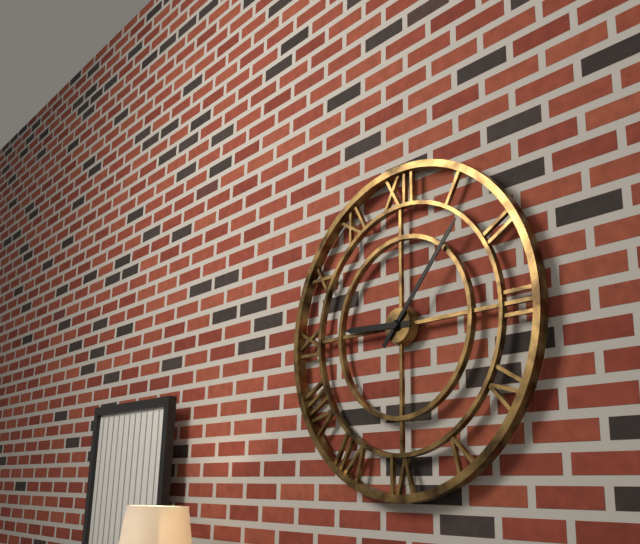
{"hour": 9, "minute": 7}
